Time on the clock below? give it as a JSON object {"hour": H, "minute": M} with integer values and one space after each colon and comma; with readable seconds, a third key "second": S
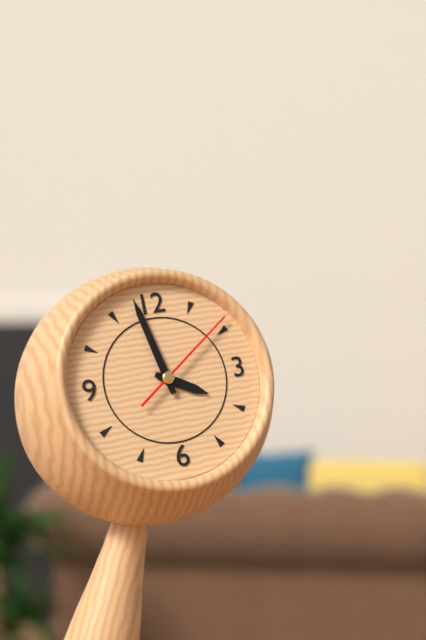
{"hour": 3, "minute": 58, "second": 9}
